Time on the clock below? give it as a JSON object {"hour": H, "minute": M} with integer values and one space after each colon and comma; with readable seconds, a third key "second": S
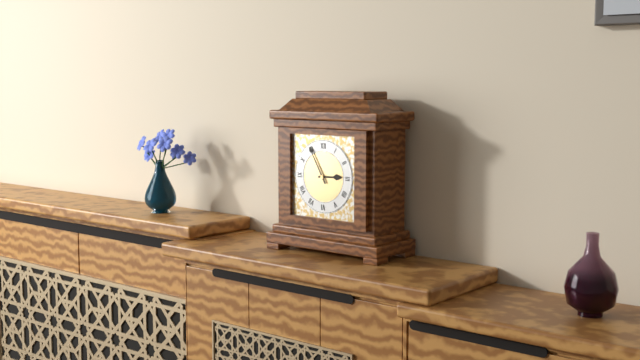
{"hour": 2, "minute": 55}
